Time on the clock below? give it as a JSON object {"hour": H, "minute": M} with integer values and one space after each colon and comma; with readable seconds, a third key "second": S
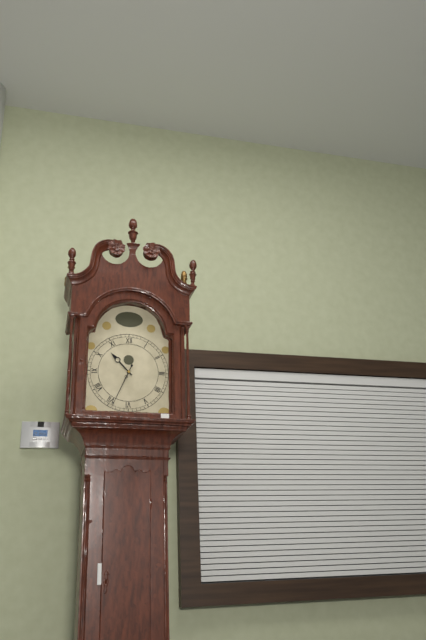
{"hour": 10, "minute": 34}
